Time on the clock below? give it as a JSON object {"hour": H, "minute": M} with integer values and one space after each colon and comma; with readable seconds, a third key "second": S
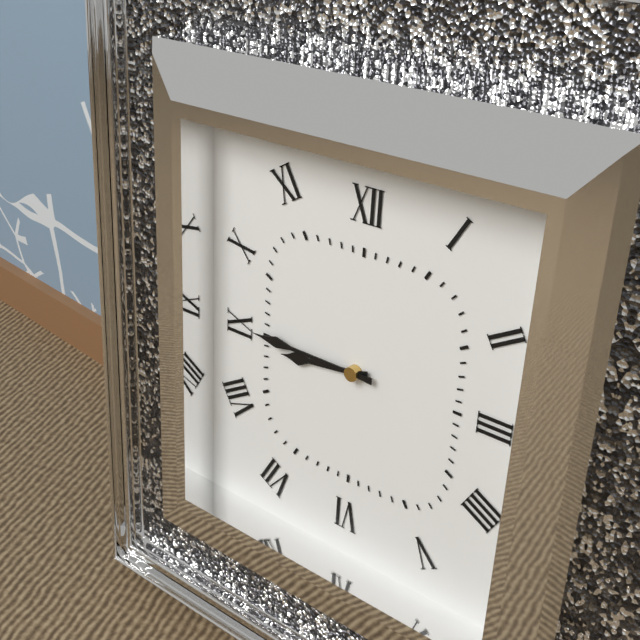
{"hour": 8, "minute": 45}
